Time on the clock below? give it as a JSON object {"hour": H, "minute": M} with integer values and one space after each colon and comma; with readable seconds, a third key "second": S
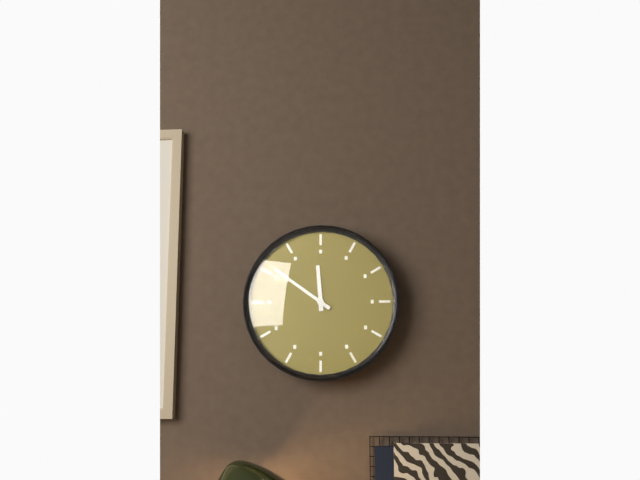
{"hour": 11, "minute": 51}
